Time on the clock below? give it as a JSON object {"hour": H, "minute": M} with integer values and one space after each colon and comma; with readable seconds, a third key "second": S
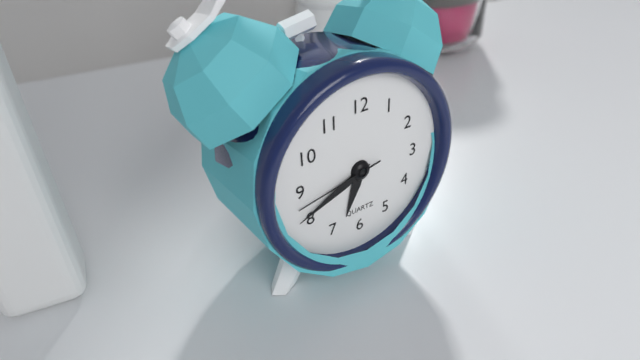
{"hour": 6, "minute": 41, "second": 43}
